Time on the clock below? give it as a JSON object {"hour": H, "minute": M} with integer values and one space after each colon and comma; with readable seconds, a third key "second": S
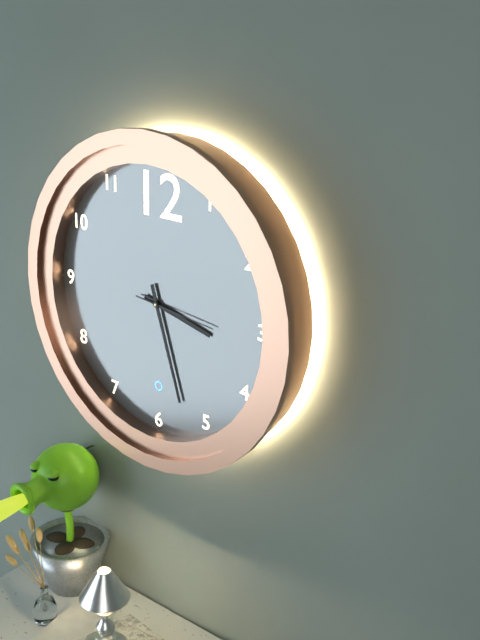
{"hour": 3, "minute": 27, "second": 16}
